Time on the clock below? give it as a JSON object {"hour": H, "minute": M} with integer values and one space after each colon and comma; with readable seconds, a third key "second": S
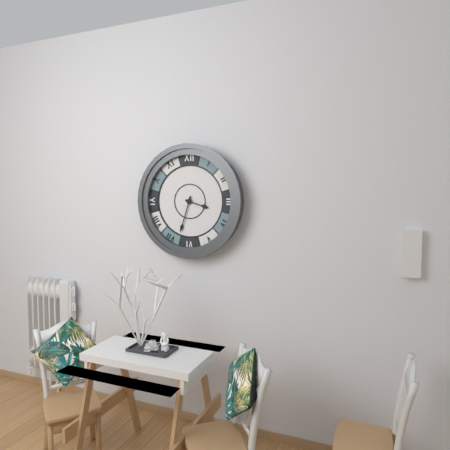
{"hour": 3, "minute": 33}
